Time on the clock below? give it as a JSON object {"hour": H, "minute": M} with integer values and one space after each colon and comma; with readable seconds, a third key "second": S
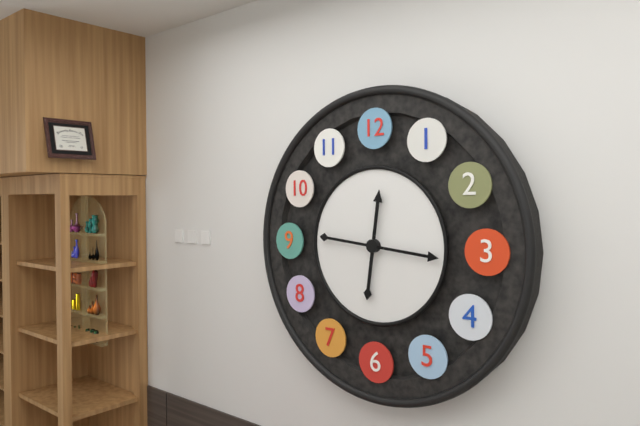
{"hour": 12, "minute": 16}
